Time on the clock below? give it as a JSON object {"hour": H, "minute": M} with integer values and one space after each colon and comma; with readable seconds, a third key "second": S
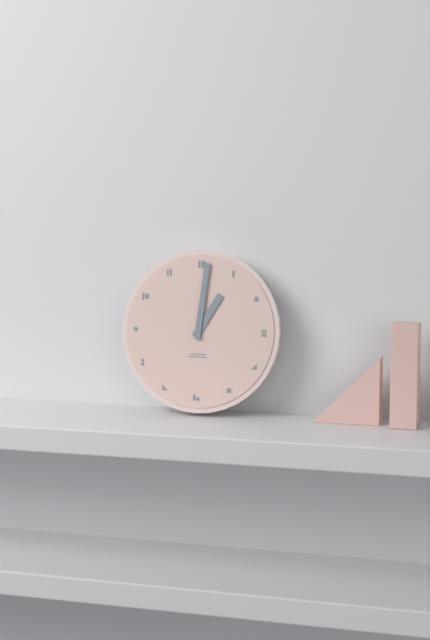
{"hour": 1, "minute": 1}
